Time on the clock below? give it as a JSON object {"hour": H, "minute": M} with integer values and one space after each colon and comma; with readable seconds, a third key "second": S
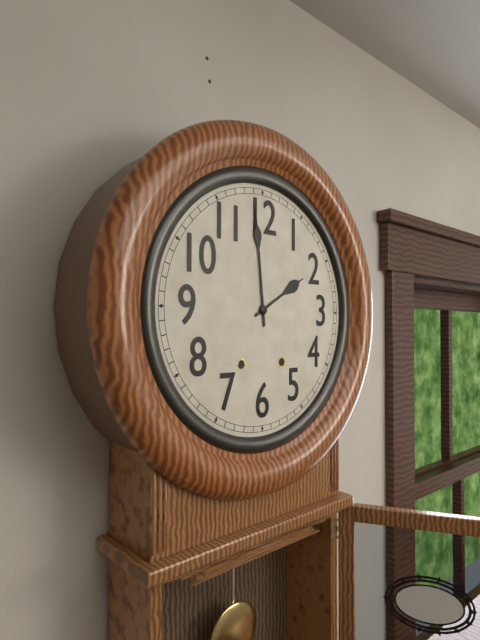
{"hour": 1, "minute": 59}
